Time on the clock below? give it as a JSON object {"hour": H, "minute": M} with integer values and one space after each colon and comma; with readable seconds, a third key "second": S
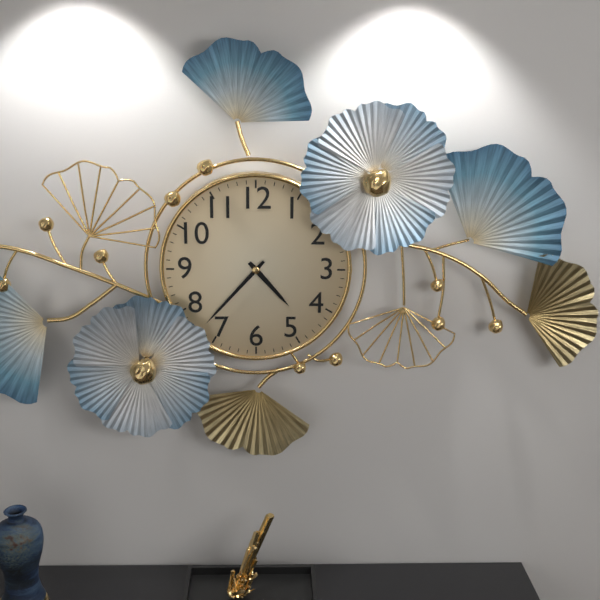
{"hour": 4, "minute": 37}
